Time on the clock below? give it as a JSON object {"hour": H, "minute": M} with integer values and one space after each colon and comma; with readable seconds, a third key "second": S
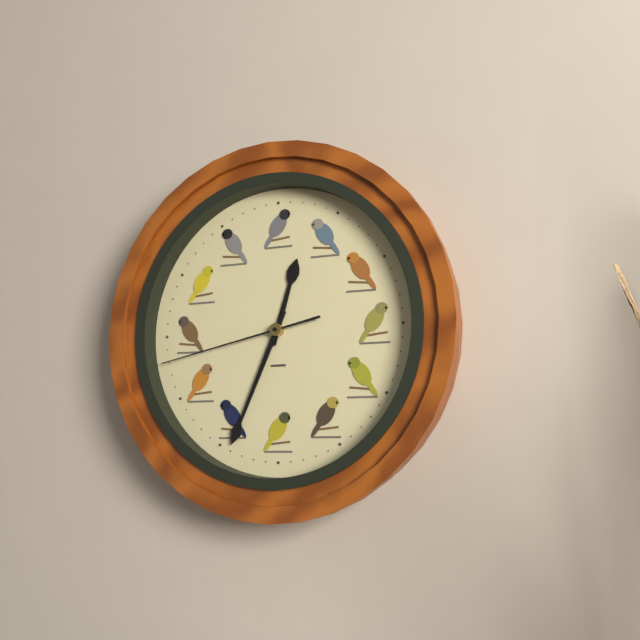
{"hour": 12, "minute": 34, "second": 43}
